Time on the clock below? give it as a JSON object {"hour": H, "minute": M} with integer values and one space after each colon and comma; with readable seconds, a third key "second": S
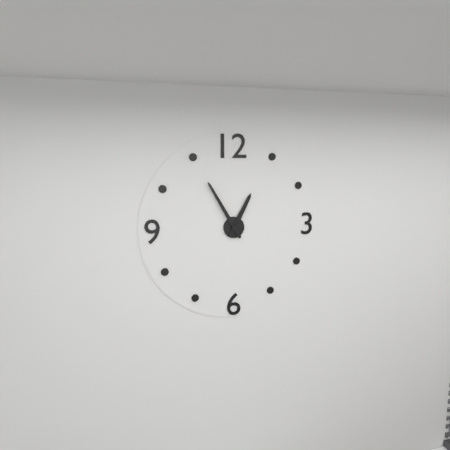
{"hour": 12, "minute": 55}
